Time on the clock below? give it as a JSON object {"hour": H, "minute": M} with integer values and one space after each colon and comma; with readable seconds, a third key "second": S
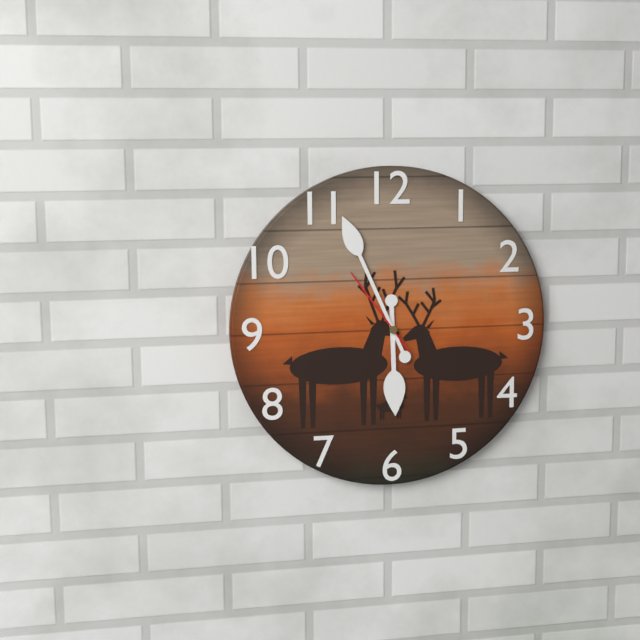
{"hour": 5, "minute": 56, "second": 54}
